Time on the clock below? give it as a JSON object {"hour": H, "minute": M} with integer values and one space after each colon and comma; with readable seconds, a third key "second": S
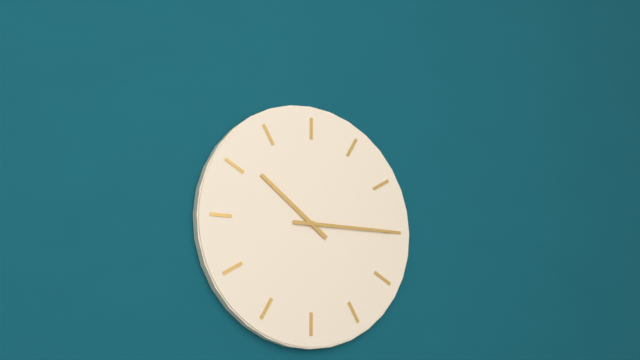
{"hour": 10, "minute": 15}
